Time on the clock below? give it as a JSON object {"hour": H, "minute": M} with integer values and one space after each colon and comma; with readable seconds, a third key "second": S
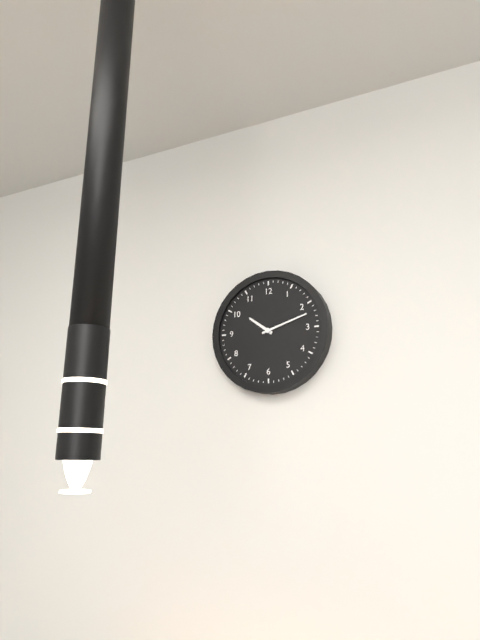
{"hour": 10, "minute": 12}
